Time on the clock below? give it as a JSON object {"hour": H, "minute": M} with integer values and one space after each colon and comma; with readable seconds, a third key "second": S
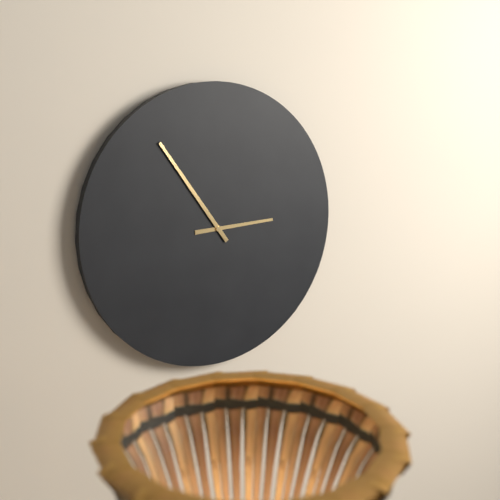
{"hour": 2, "minute": 54}
